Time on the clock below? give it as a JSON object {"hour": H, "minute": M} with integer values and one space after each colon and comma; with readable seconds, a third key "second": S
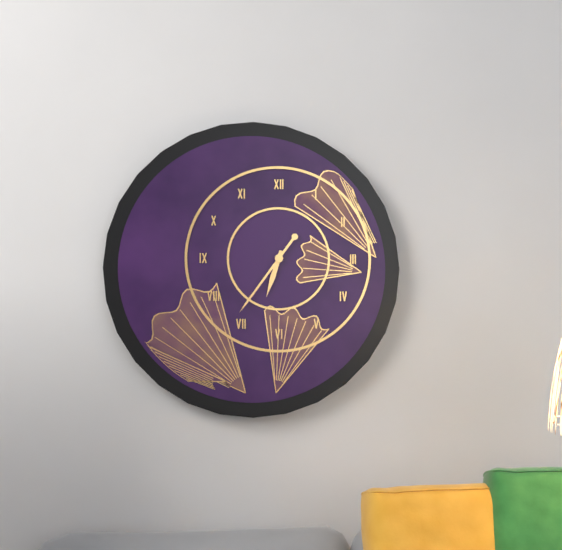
{"hour": 6, "minute": 36}
